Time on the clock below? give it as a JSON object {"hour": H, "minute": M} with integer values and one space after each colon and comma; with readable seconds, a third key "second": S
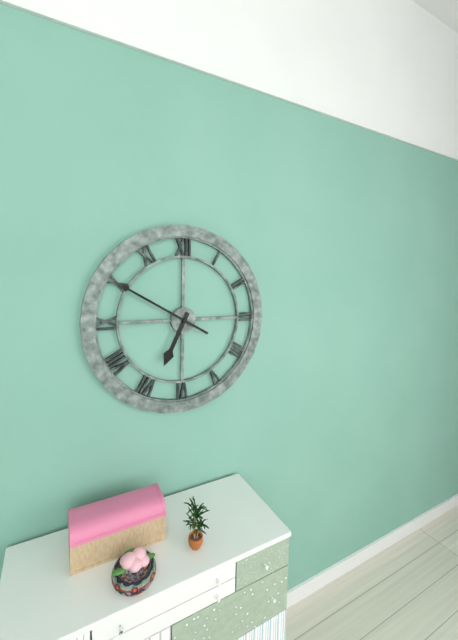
{"hour": 6, "minute": 50}
